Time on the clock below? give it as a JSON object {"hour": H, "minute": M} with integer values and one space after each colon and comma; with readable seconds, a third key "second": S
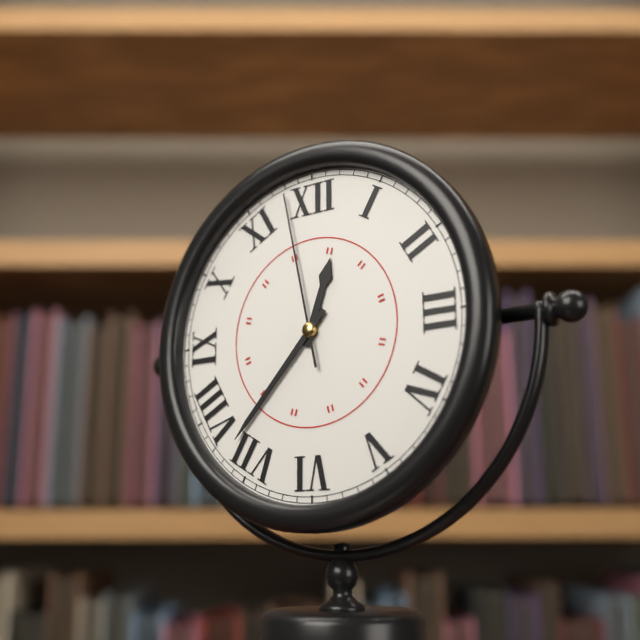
{"hour": 12, "minute": 37, "second": 58}
